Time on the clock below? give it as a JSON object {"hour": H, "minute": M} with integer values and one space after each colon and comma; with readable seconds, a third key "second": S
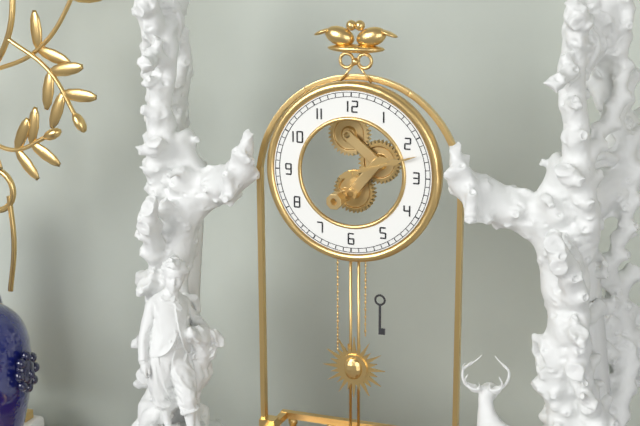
{"hour": 2, "minute": 12}
